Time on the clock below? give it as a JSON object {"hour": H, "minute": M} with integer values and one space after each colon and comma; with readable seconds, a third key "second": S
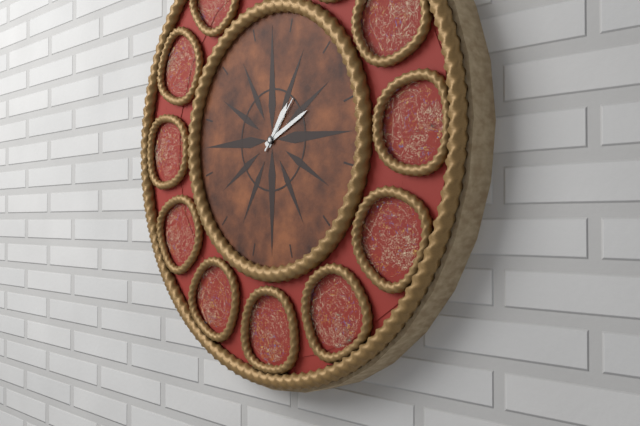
{"hour": 1, "minute": 11, "second": 7}
